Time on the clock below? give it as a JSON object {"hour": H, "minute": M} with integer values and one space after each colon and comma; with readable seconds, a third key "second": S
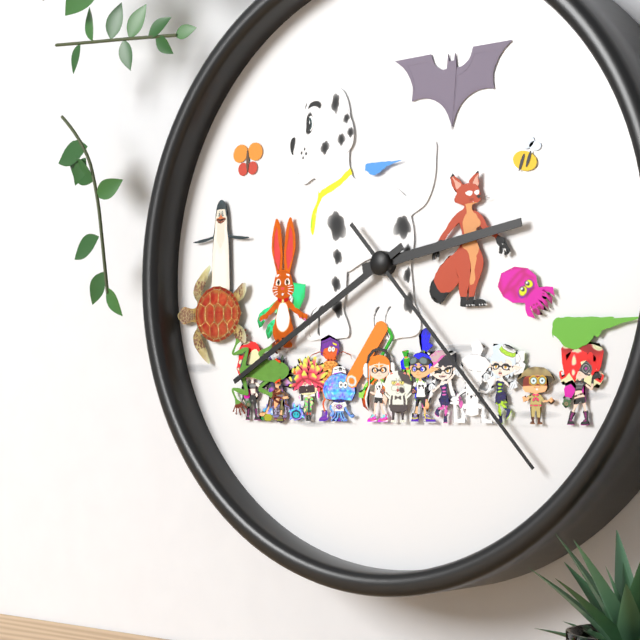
{"hour": 2, "minute": 40, "second": 23}
